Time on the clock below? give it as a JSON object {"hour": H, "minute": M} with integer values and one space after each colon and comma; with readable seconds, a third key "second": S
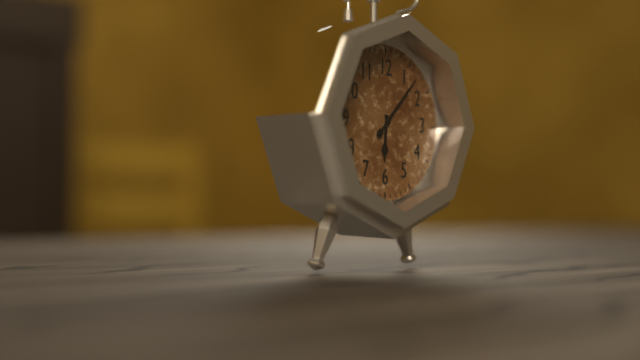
{"hour": 6, "minute": 7}
